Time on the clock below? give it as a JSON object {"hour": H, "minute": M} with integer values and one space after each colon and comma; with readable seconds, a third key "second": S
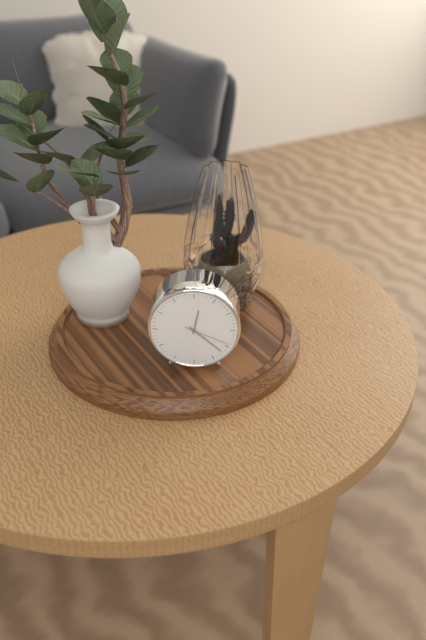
{"hour": 12, "minute": 22}
